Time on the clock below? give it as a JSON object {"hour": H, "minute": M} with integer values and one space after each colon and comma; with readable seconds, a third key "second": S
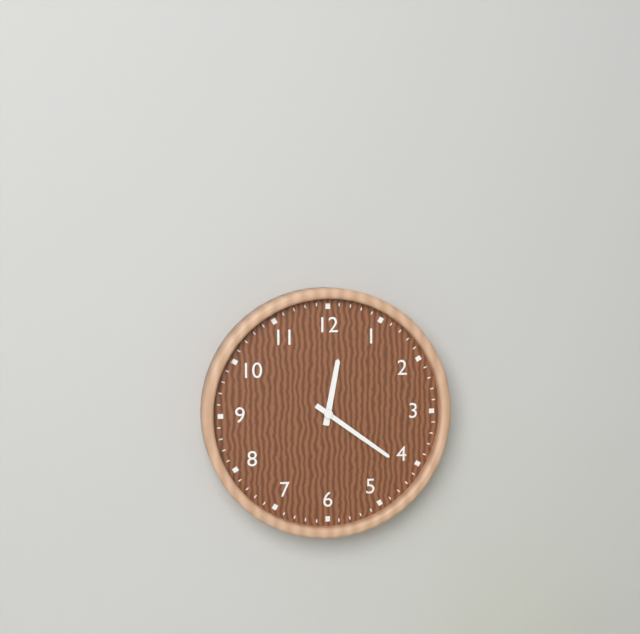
{"hour": 12, "minute": 21}
